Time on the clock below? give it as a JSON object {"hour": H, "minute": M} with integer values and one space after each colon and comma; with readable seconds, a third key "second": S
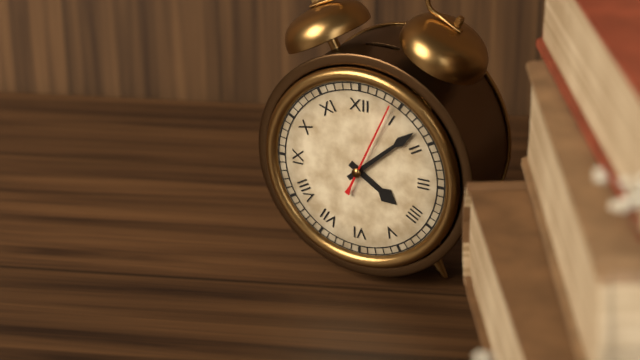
{"hour": 4, "minute": 8, "second": 4}
